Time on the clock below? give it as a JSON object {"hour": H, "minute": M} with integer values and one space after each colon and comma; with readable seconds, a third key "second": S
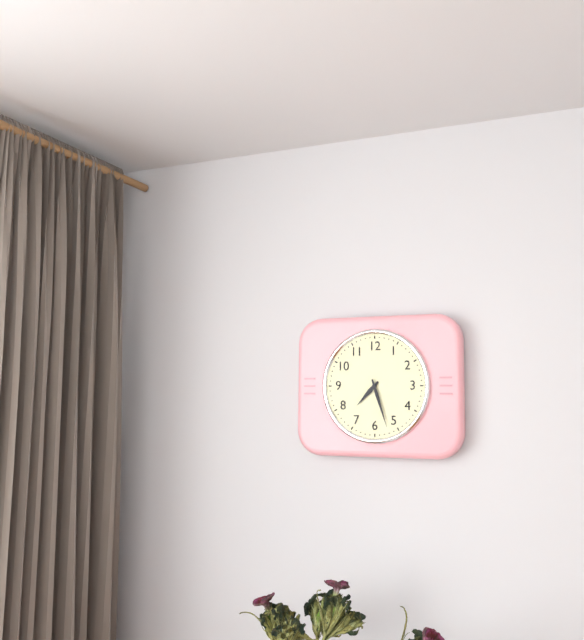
{"hour": 7, "minute": 27}
